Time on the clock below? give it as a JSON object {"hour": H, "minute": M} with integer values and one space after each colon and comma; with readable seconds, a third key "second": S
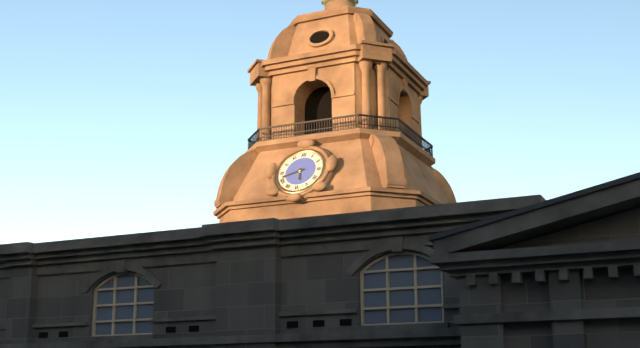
{"hour": 5, "minute": 42}
